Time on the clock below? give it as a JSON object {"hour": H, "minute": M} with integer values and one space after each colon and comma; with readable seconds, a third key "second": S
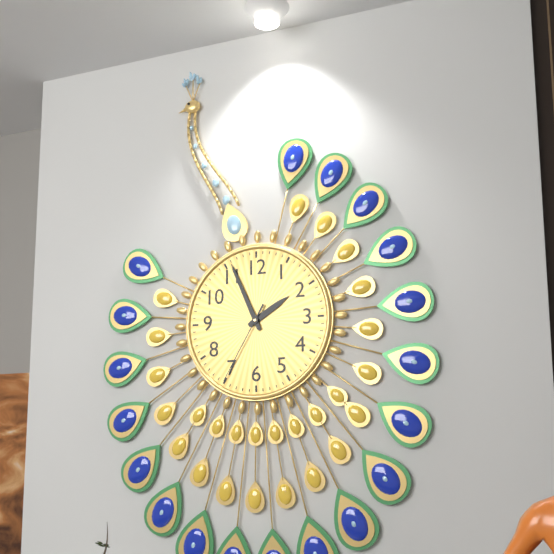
{"hour": 1, "minute": 56, "second": 35}
